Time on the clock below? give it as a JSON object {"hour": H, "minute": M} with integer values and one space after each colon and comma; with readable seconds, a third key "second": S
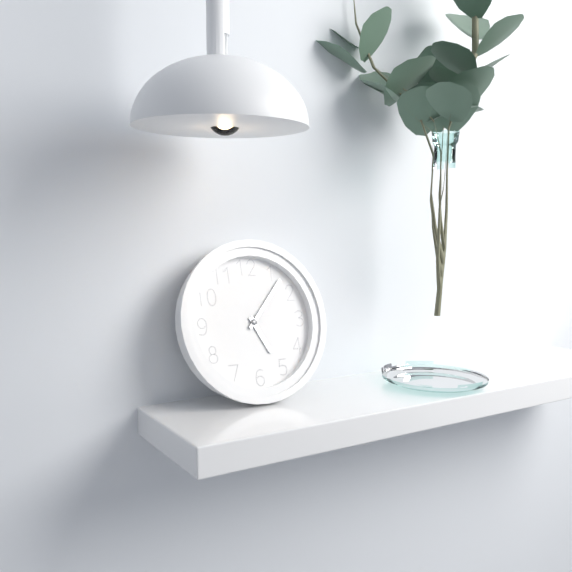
{"hour": 5, "minute": 7}
